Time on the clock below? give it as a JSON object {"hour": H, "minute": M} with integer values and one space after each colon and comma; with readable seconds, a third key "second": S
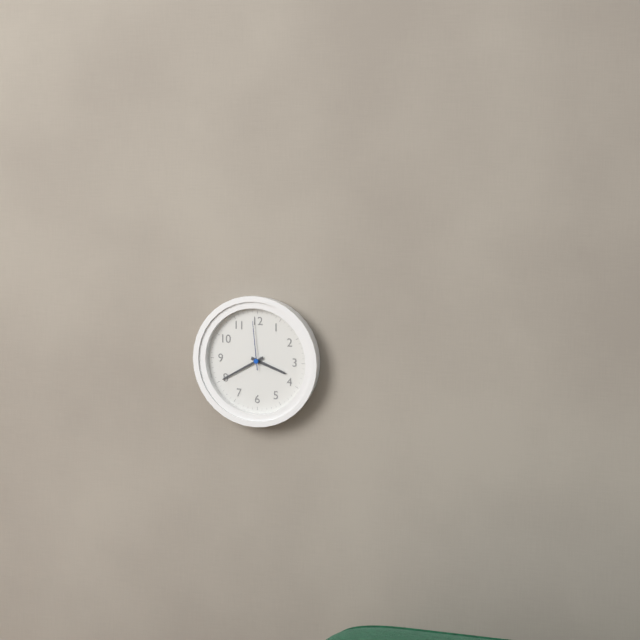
{"hour": 3, "minute": 40, "second": 59}
